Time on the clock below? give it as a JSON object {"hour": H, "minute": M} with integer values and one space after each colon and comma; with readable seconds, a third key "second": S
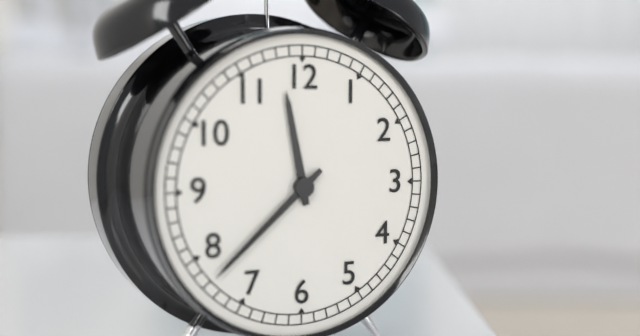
{"hour": 11, "minute": 38}
